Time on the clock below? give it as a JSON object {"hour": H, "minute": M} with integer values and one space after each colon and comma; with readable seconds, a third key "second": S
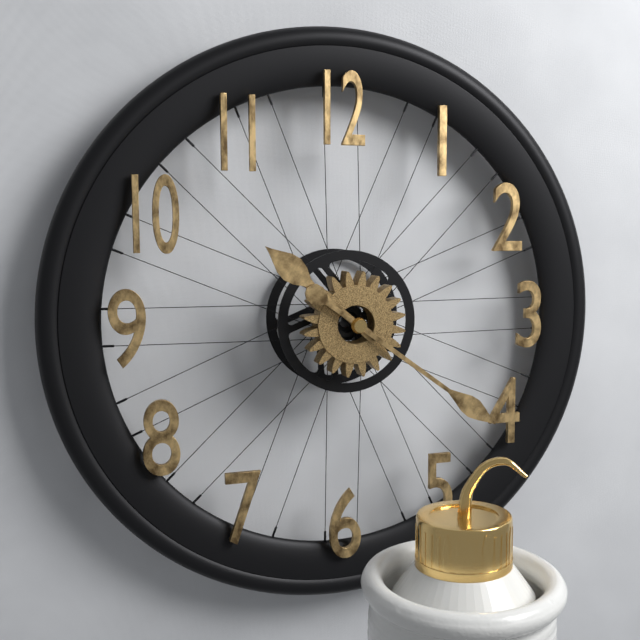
{"hour": 10, "minute": 21}
